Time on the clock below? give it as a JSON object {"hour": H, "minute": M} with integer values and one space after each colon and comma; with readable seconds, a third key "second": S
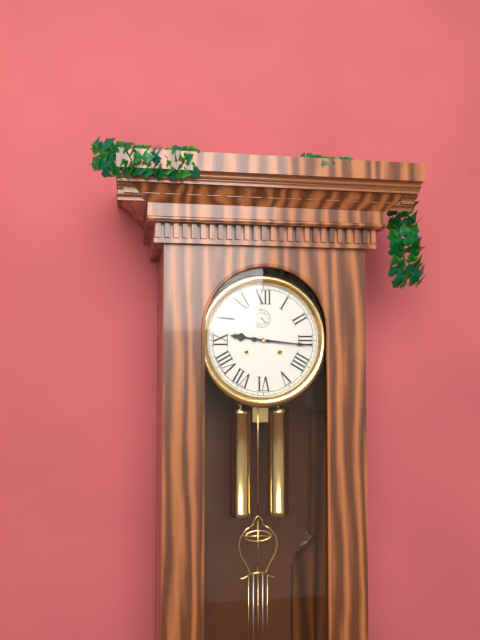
{"hour": 9, "minute": 16}
